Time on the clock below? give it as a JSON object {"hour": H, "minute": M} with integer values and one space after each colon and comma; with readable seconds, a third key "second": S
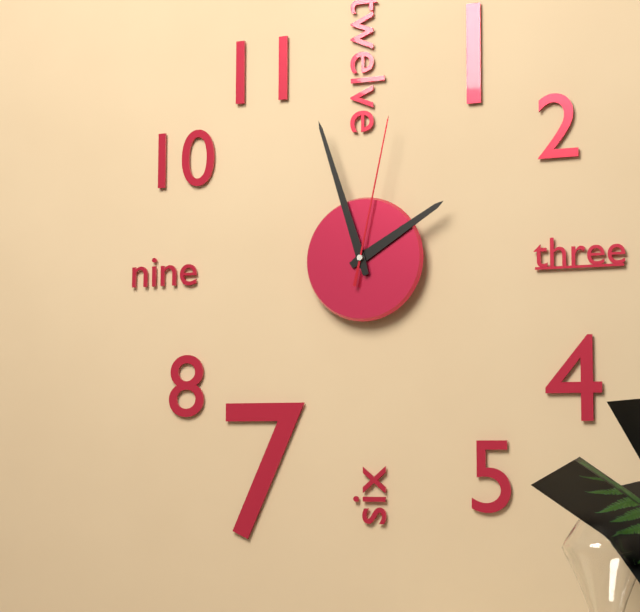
{"hour": 1, "minute": 57, "second": 2}
